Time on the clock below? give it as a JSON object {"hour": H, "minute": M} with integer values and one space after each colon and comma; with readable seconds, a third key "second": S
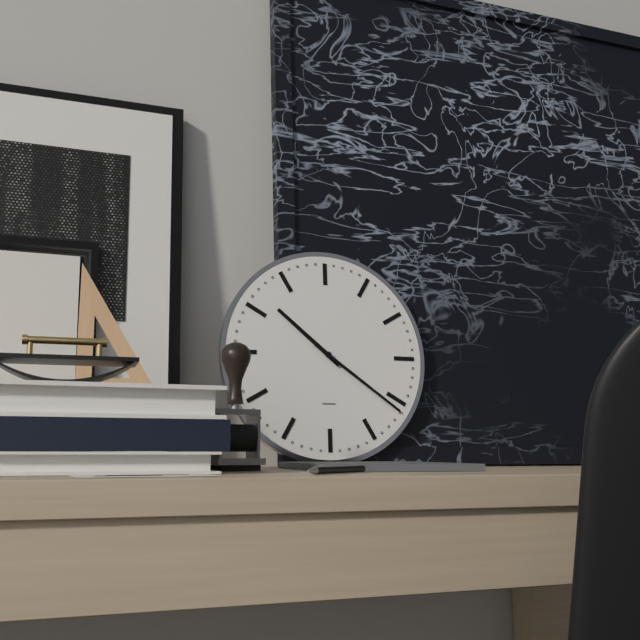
{"hour": 10, "minute": 21}
